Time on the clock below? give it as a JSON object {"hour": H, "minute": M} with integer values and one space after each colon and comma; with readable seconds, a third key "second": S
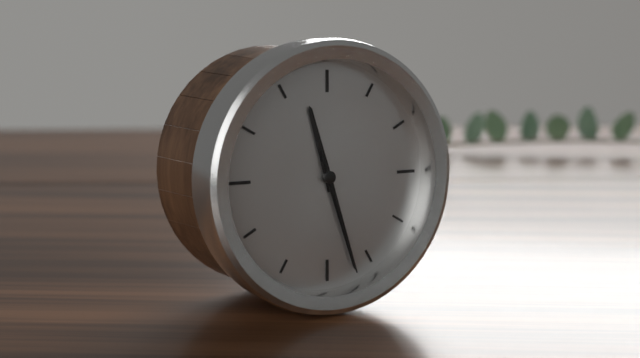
{"hour": 11, "minute": 27, "second": 27}
